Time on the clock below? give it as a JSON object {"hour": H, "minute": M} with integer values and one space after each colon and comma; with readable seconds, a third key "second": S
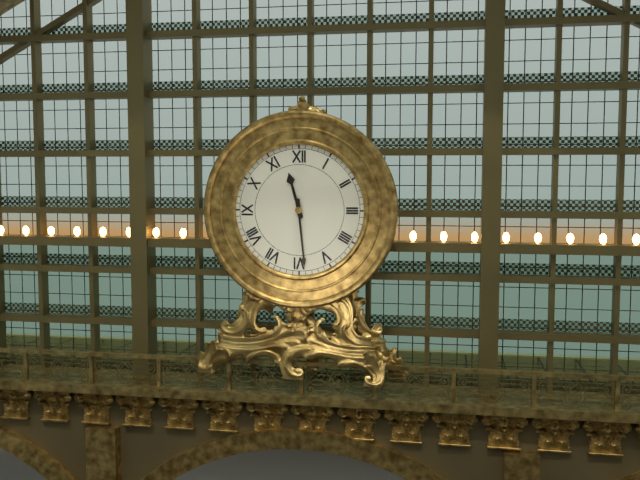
{"hour": 11, "minute": 29}
